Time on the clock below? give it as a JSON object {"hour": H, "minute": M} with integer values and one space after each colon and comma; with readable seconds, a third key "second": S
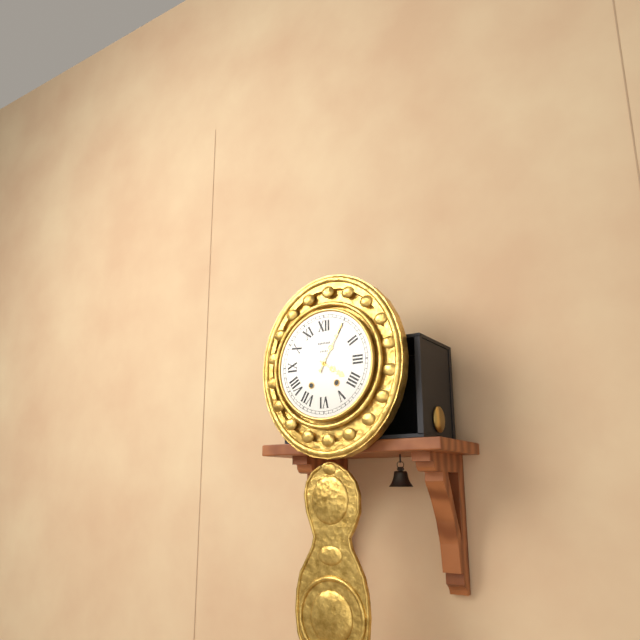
{"hour": 4, "minute": 5}
